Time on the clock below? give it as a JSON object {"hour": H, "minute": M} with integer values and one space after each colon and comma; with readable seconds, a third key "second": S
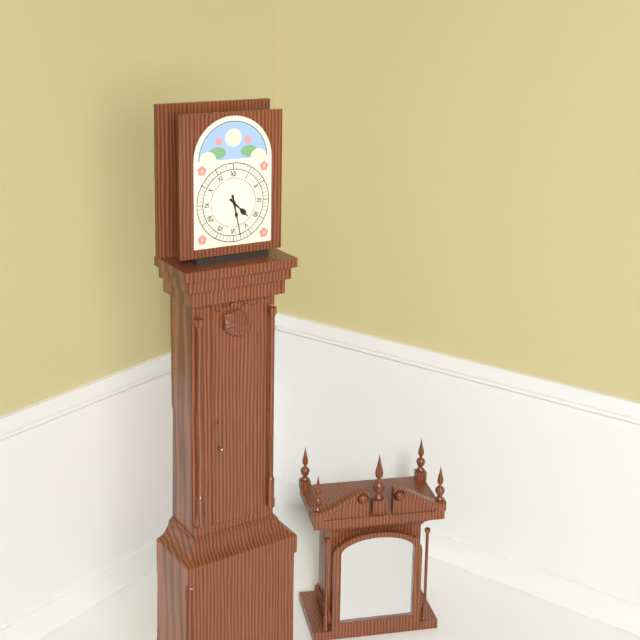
{"hour": 4, "minute": 28}
